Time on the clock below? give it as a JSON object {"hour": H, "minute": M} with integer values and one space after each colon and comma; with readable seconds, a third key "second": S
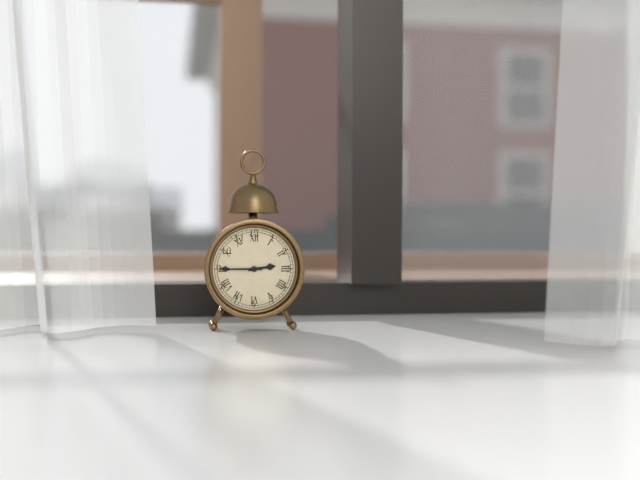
{"hour": 2, "minute": 45}
